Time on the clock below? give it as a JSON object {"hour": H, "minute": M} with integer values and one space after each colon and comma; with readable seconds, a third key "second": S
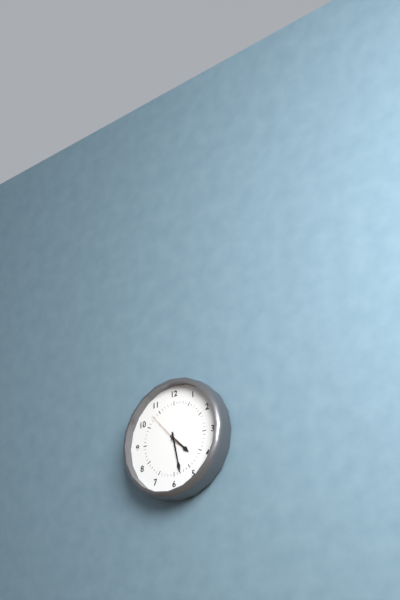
{"hour": 4, "minute": 28}
